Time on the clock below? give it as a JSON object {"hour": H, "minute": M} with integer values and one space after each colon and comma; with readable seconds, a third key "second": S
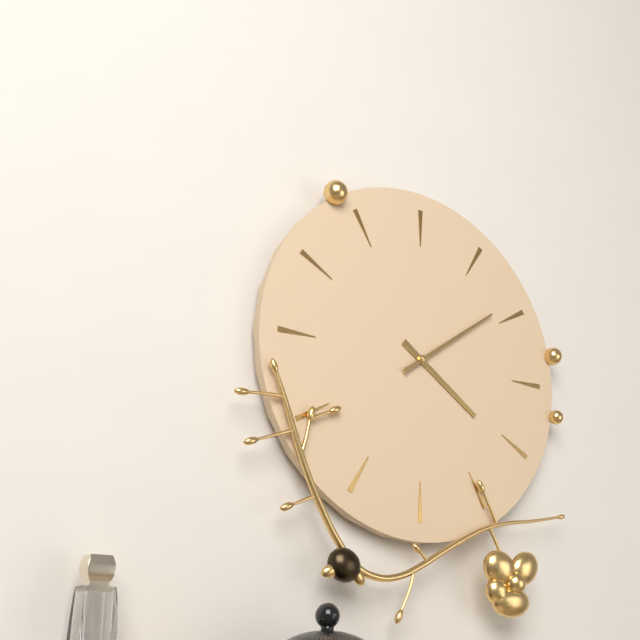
{"hour": 4, "minute": 9}
